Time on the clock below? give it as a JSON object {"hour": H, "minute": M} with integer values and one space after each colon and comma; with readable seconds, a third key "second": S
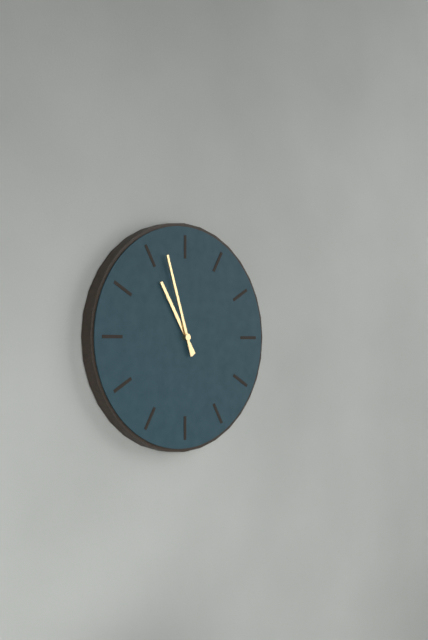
{"hour": 10, "minute": 57}
